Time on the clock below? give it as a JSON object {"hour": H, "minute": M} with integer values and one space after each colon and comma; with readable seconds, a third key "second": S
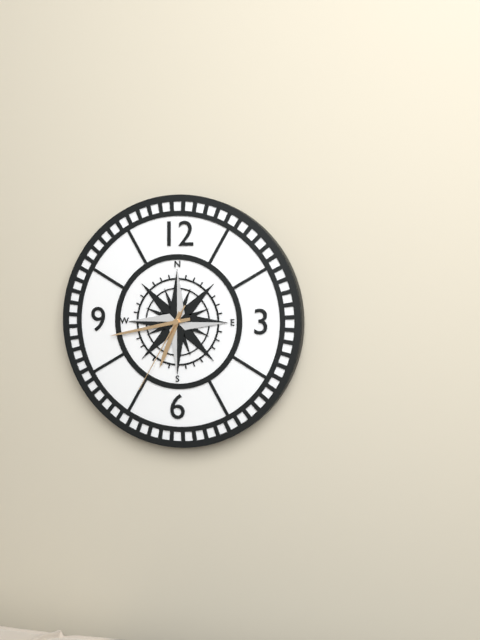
{"hour": 6, "minute": 43, "second": 35}
